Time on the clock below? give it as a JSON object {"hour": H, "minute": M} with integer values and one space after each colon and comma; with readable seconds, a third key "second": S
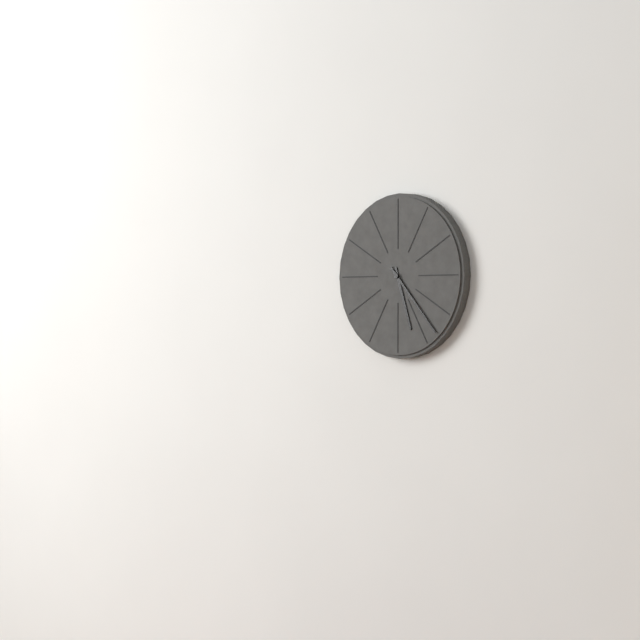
{"hour": 5, "minute": 23}
